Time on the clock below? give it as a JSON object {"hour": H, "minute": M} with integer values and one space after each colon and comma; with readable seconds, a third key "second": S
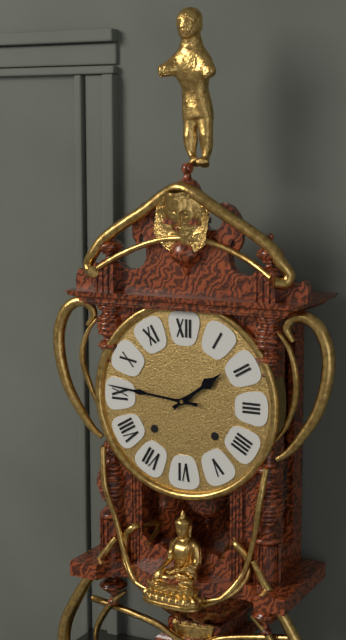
{"hour": 1, "minute": 46}
